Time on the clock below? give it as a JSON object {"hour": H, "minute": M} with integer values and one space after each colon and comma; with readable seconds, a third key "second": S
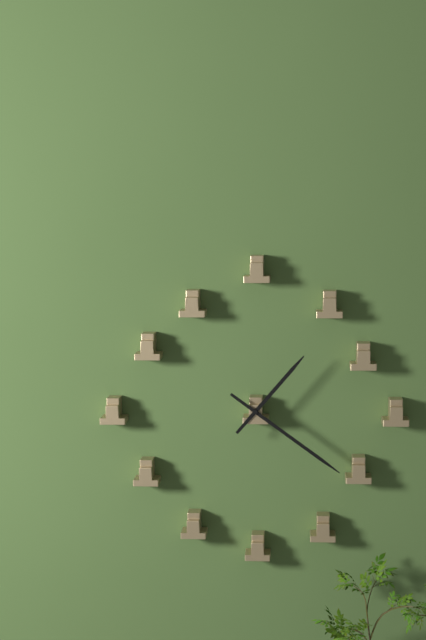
{"hour": 1, "minute": 21}
